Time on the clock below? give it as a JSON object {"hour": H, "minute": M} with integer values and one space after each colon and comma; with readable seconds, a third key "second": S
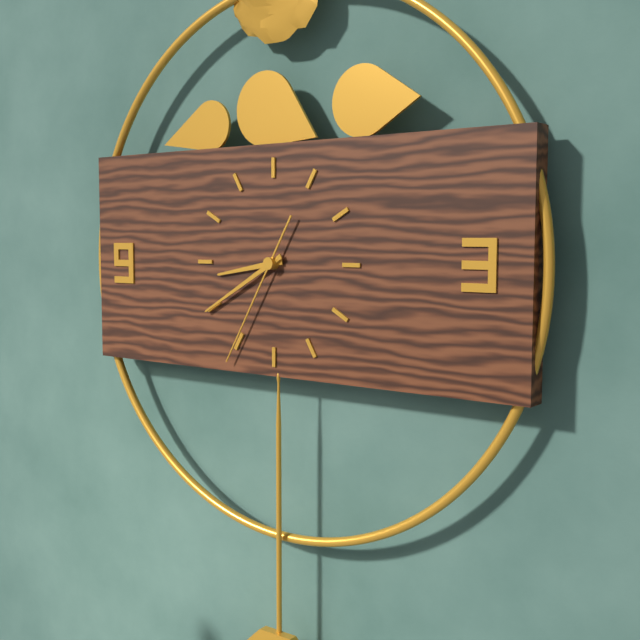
{"hour": 8, "minute": 40, "second": 35}
